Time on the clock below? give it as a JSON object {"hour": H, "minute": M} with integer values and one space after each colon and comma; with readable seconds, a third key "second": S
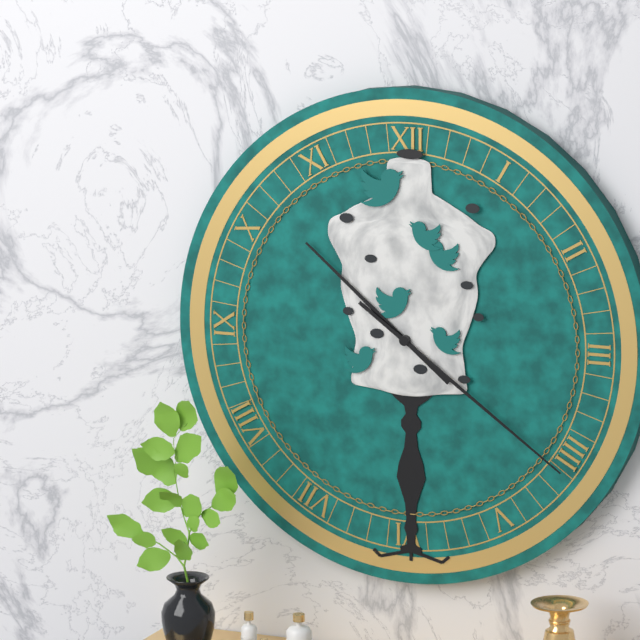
{"hour": 10, "minute": 21}
